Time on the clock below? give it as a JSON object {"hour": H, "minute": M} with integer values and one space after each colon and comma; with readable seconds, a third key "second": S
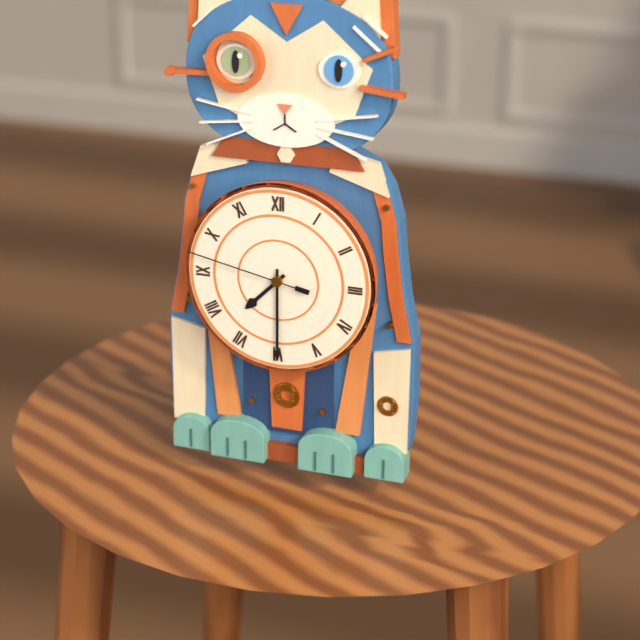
{"hour": 7, "minute": 30, "second": 47}
